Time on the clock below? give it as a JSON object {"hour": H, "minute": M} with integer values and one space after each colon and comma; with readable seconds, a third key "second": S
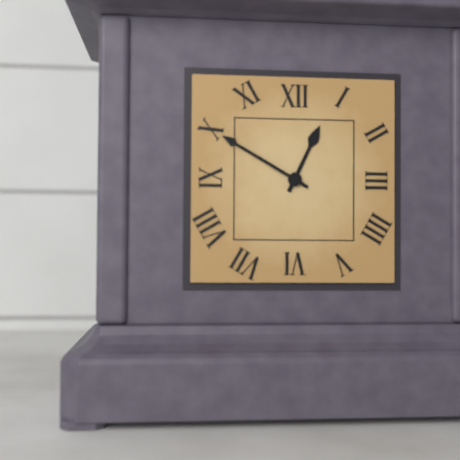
{"hour": 12, "minute": 50}
